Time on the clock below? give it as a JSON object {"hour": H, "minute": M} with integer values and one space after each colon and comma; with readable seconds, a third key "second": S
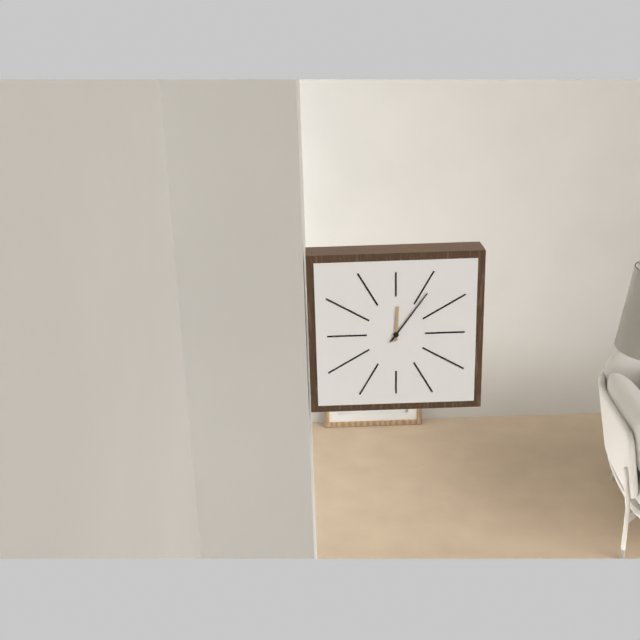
{"hour": 12, "minute": 6}
